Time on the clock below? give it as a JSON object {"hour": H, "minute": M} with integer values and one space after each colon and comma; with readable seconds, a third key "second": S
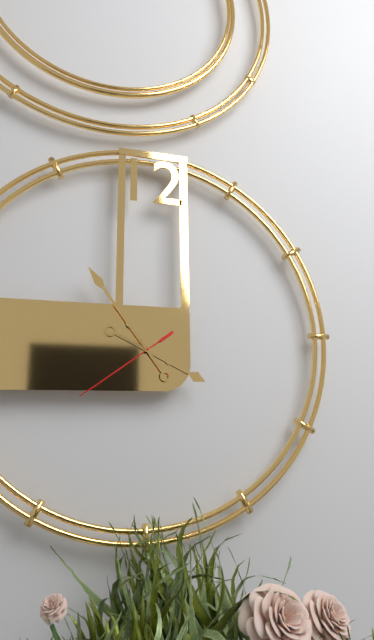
{"hour": 3, "minute": 54, "second": 39}
